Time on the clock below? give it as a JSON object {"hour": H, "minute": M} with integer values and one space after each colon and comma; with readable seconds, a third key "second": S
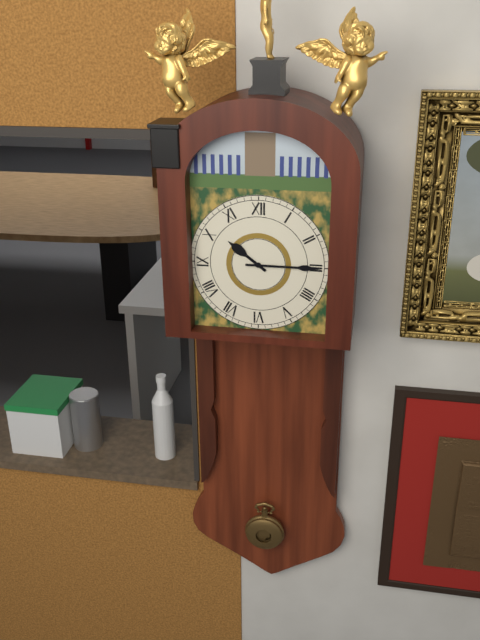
{"hour": 10, "minute": 15}
